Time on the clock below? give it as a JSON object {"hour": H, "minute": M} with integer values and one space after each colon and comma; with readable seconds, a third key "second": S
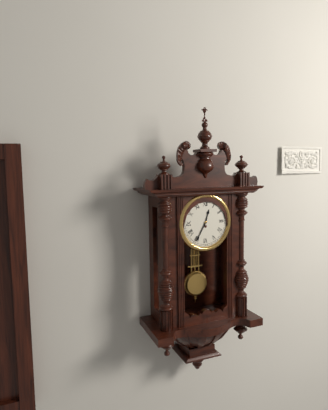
{"hour": 12, "minute": 35}
